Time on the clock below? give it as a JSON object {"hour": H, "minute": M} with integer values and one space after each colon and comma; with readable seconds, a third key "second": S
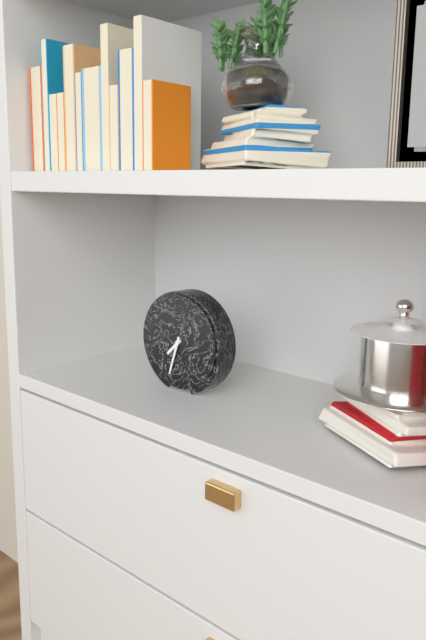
{"hour": 7, "minute": 33}
